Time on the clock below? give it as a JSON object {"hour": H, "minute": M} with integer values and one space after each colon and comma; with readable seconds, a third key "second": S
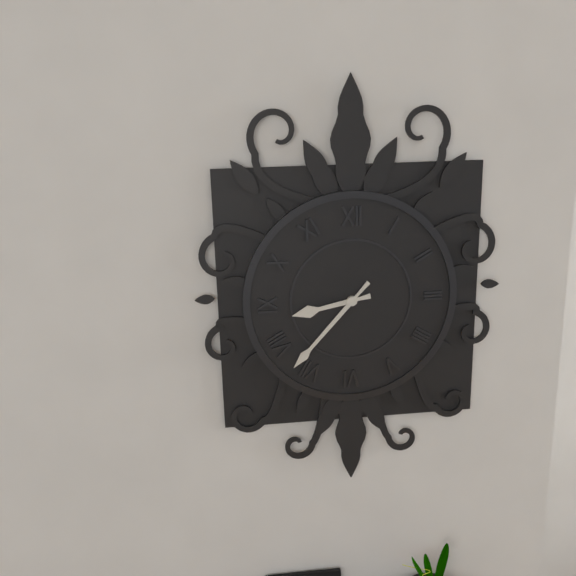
{"hour": 8, "minute": 37}
